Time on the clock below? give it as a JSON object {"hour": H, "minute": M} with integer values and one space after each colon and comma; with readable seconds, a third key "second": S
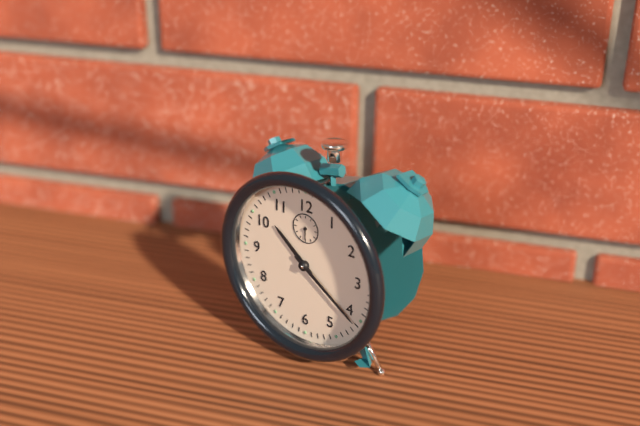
{"hour": 10, "minute": 21}
